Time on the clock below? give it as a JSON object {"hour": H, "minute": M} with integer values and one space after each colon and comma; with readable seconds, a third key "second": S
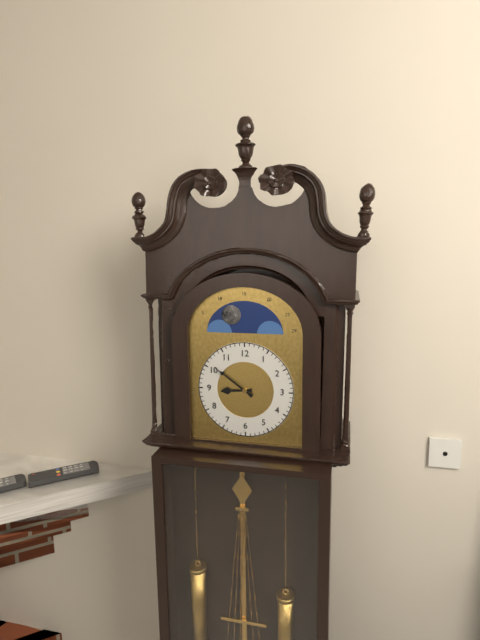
{"hour": 8, "minute": 51}
